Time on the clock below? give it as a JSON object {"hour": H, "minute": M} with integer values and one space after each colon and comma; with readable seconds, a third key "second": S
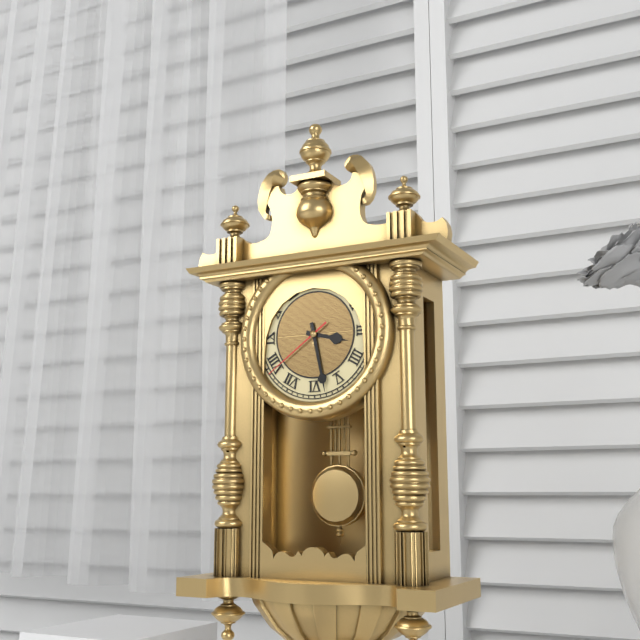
{"hour": 3, "minute": 28, "second": 39}
